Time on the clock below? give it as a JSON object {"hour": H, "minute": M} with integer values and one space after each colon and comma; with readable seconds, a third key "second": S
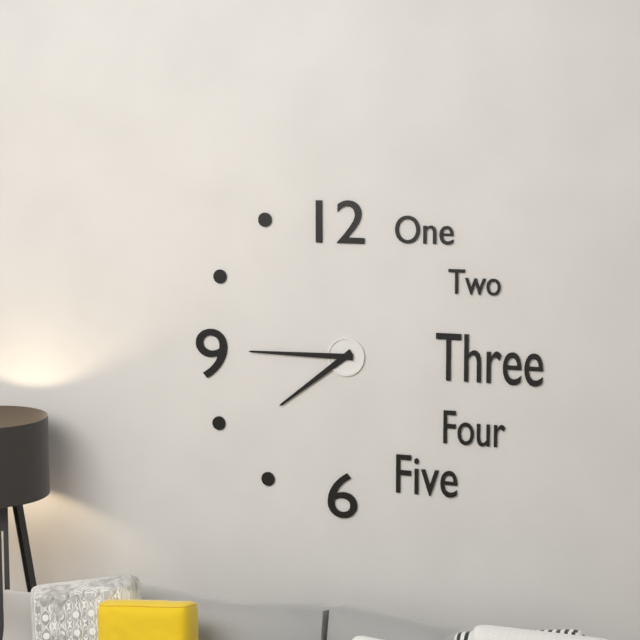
{"hour": 7, "minute": 45}
